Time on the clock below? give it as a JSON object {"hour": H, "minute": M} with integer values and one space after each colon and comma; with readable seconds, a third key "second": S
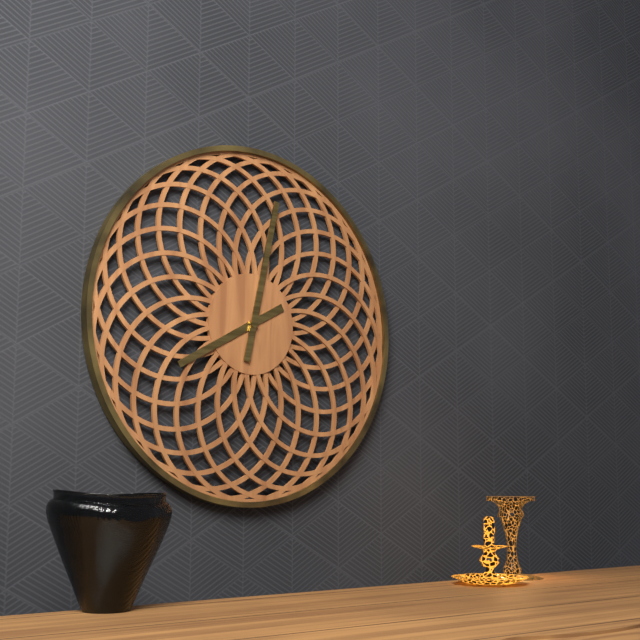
{"hour": 8, "minute": 2}
